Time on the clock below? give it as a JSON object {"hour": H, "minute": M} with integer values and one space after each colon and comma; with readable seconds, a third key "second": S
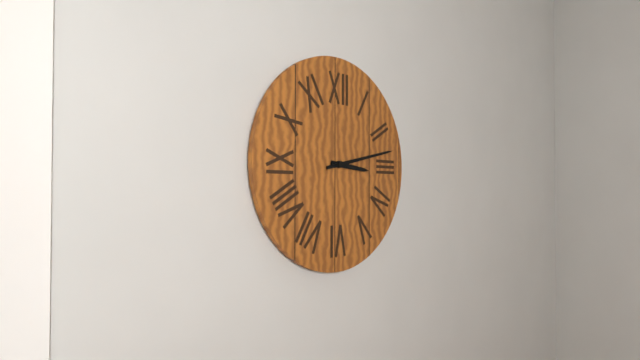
{"hour": 3, "minute": 13}
